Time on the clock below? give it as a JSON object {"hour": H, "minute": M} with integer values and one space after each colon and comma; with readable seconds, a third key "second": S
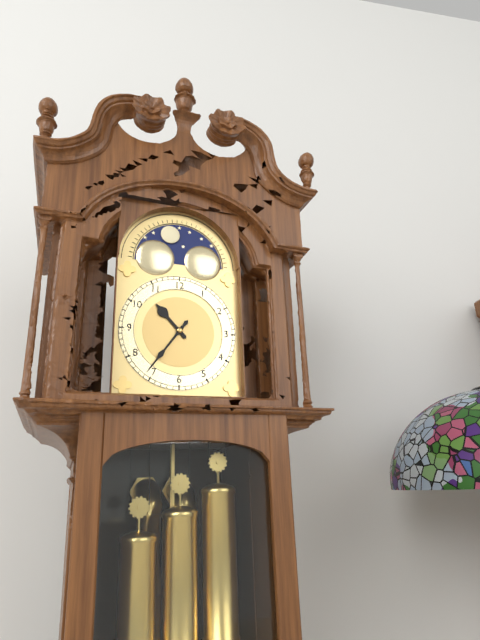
{"hour": 10, "minute": 36}
